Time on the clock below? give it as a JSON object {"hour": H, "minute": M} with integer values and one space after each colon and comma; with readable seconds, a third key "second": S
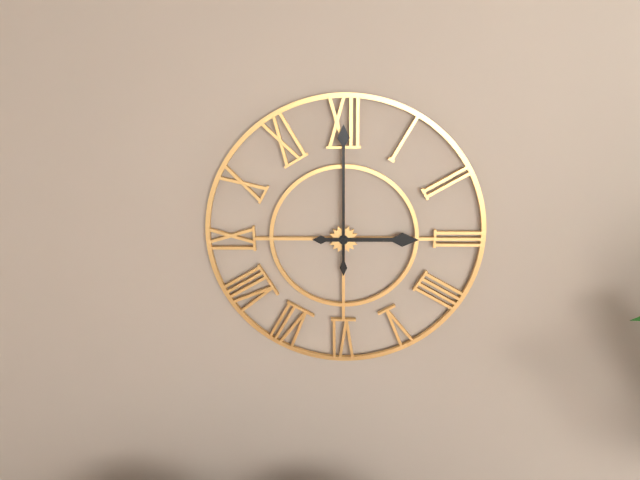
{"hour": 3, "minute": 0}
